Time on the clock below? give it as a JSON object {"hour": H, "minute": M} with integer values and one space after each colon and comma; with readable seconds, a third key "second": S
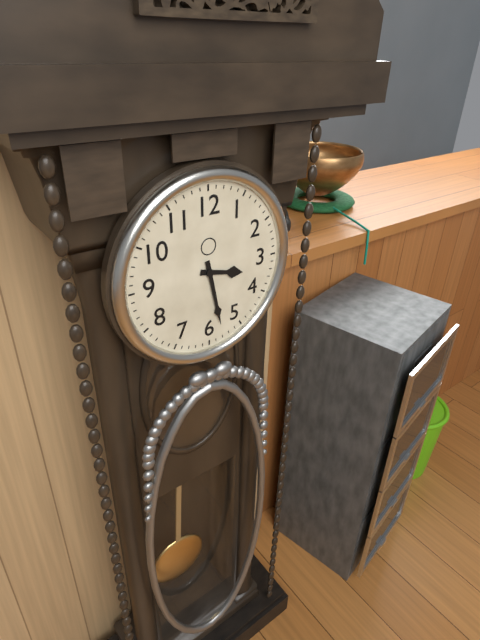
{"hour": 3, "minute": 28}
